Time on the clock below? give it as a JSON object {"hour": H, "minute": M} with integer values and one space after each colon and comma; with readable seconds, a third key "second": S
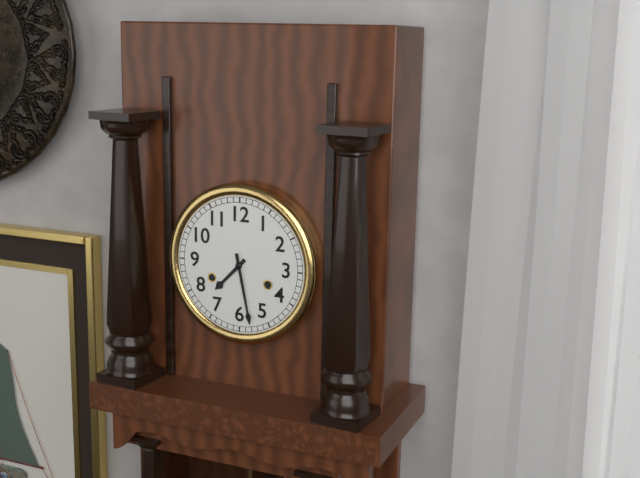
{"hour": 7, "minute": 28}
